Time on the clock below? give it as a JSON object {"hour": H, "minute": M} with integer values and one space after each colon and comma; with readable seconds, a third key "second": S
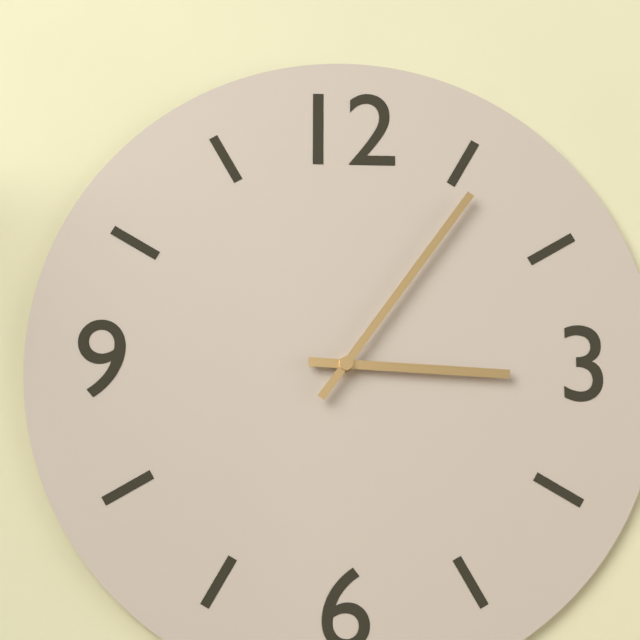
{"hour": 3, "minute": 6}
